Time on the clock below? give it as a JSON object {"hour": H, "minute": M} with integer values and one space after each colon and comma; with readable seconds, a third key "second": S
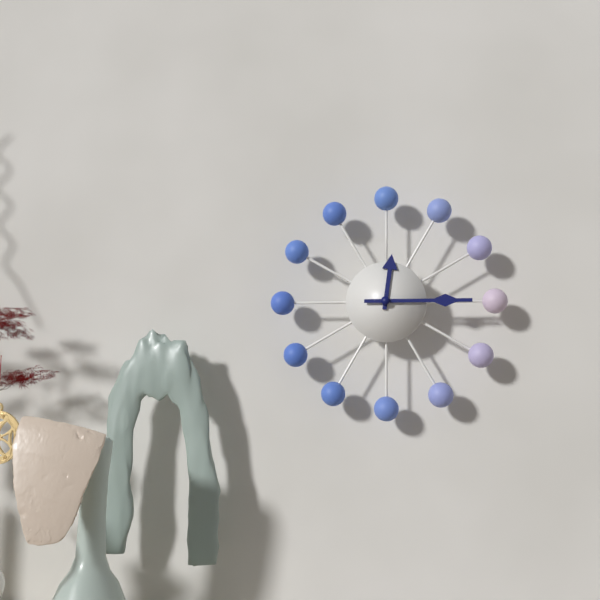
{"hour": 12, "minute": 15}
